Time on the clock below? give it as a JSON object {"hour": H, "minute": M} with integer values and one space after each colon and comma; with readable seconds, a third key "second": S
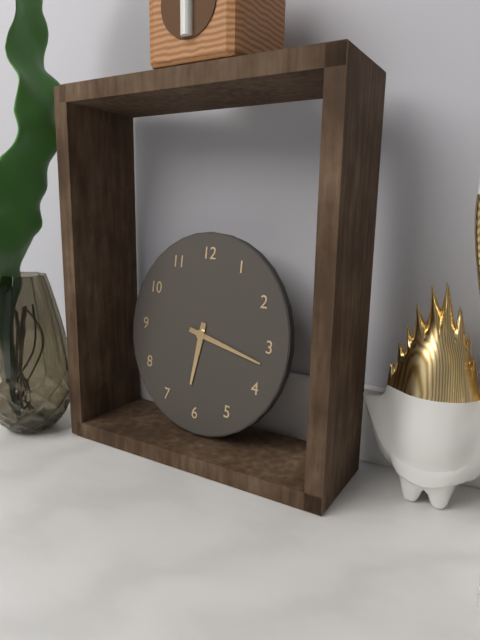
{"hour": 6, "minute": 17}
